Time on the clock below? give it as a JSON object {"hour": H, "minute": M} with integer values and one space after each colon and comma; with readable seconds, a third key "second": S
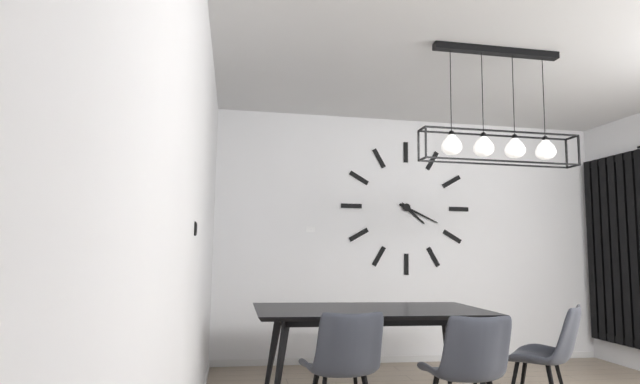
{"hour": 4, "minute": 19}
